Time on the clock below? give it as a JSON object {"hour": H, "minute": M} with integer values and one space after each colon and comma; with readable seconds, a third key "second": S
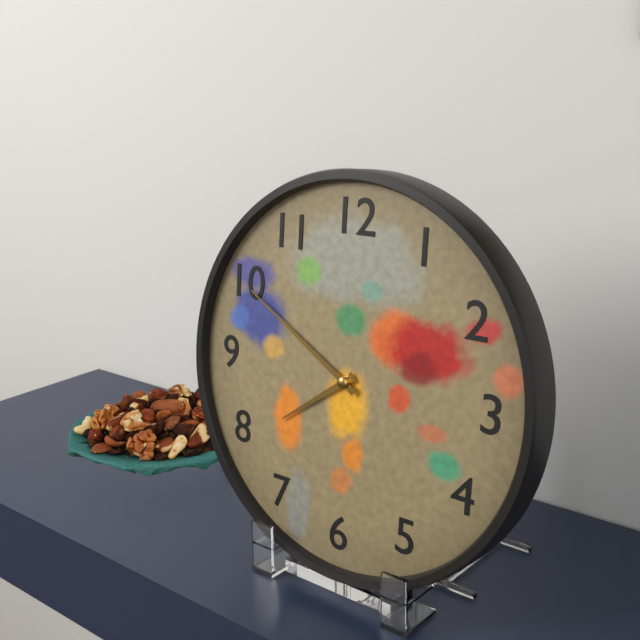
{"hour": 7, "minute": 50}
